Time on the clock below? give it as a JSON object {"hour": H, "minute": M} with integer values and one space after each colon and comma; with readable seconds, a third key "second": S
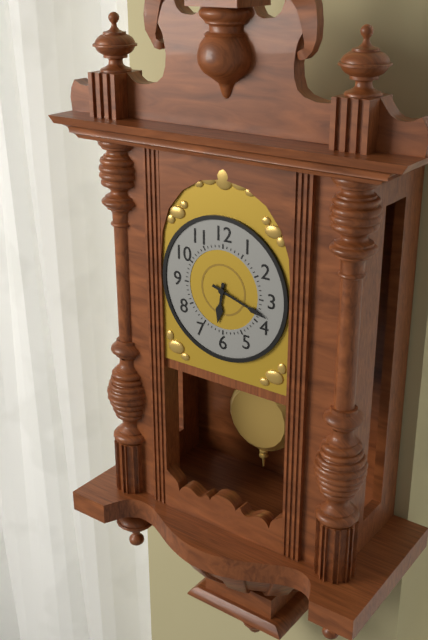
{"hour": 6, "minute": 18}
